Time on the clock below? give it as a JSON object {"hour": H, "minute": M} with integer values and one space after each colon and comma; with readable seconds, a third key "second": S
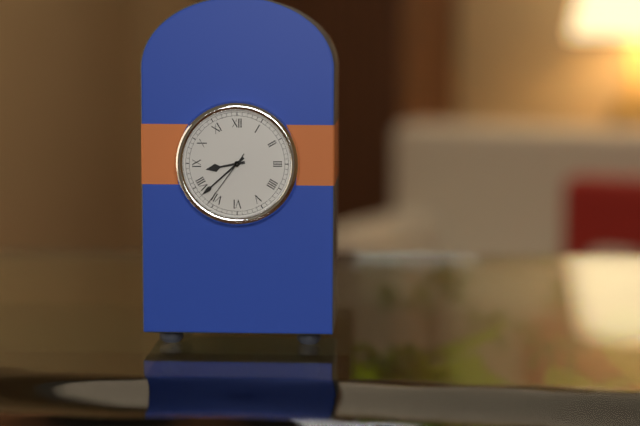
{"hour": 8, "minute": 38, "second": 36}
